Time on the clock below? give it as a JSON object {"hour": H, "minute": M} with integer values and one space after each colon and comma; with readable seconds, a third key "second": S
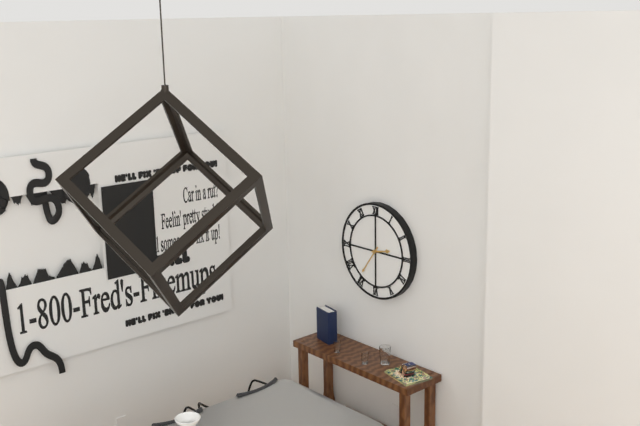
{"hour": 2, "minute": 36}
